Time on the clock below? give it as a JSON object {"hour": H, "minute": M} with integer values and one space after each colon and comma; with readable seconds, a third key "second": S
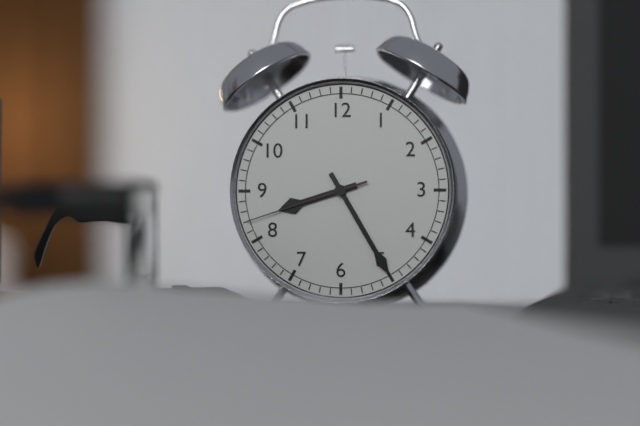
{"hour": 8, "minute": 25, "second": 42}
